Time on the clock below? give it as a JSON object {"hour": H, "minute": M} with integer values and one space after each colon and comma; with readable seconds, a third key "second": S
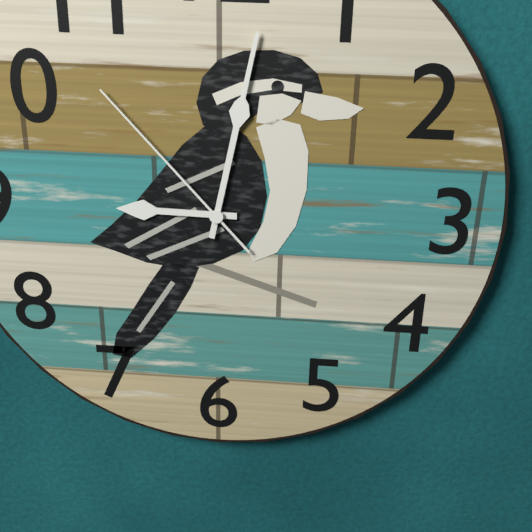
{"hour": 9, "minute": 2, "second": 53}
